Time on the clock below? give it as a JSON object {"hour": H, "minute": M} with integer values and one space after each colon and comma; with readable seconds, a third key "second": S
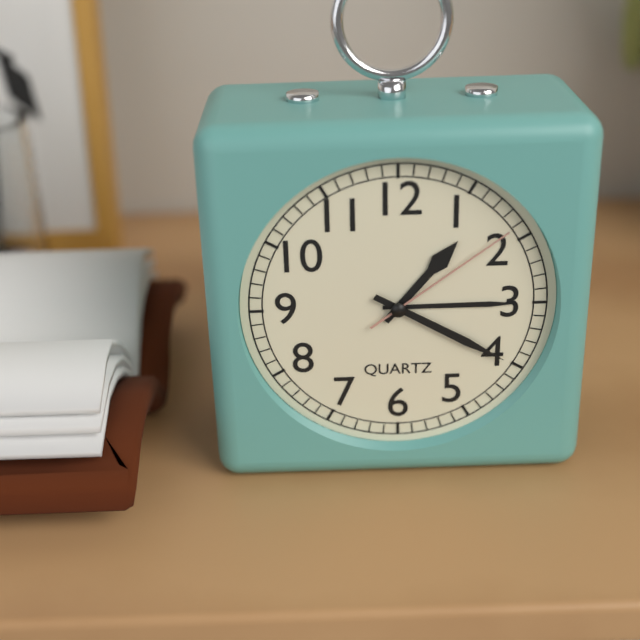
{"hour": 1, "minute": 20, "second": 9}
